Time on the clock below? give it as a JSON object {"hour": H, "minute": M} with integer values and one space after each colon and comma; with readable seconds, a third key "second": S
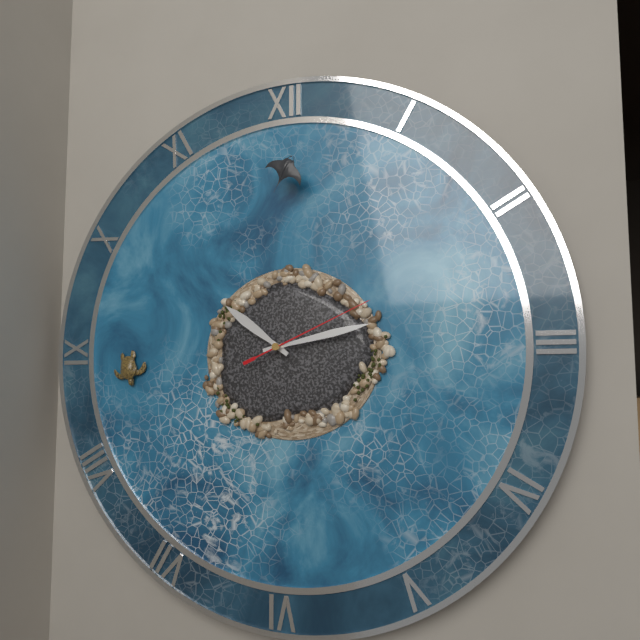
{"hour": 10, "minute": 13, "second": 11}
